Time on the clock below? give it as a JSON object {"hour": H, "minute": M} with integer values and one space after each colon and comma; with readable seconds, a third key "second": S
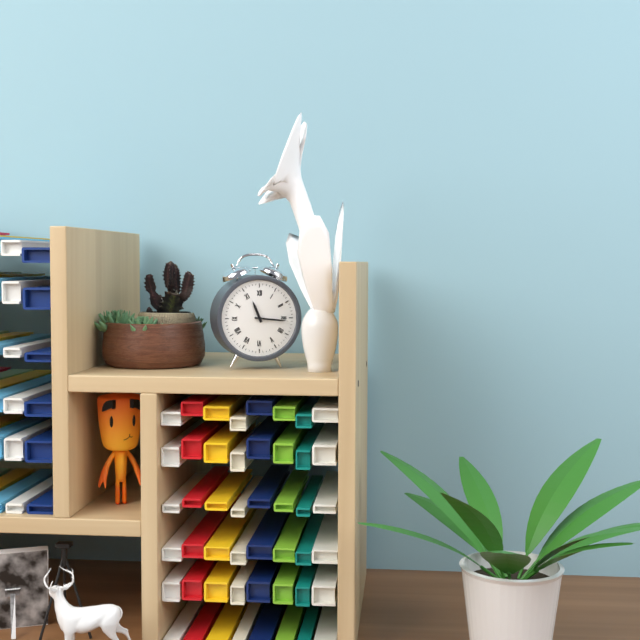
{"hour": 11, "minute": 16}
